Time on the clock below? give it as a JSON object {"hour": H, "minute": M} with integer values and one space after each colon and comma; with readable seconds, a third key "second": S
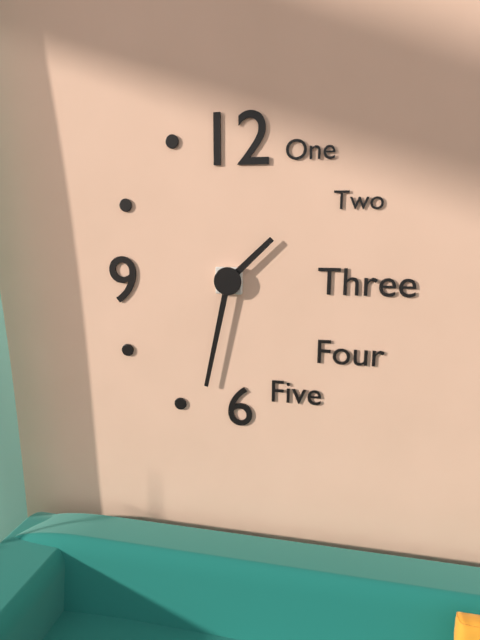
{"hour": 1, "minute": 32}
